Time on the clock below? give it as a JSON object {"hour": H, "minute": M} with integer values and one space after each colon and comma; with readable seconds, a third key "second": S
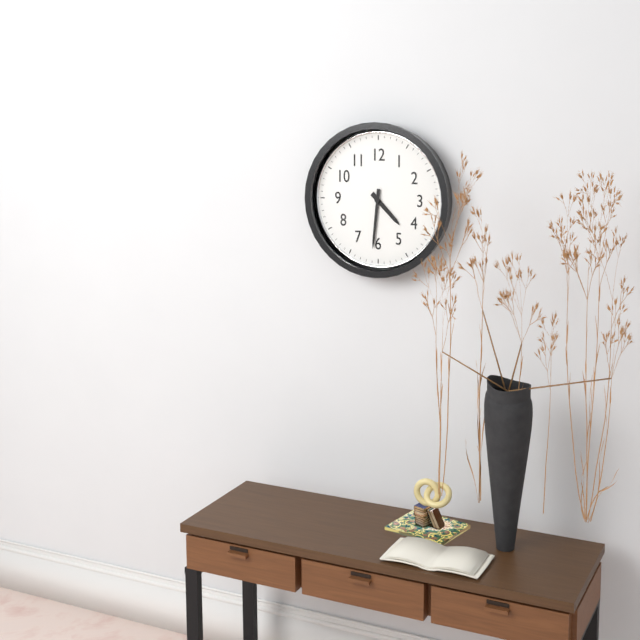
{"hour": 4, "minute": 31}
